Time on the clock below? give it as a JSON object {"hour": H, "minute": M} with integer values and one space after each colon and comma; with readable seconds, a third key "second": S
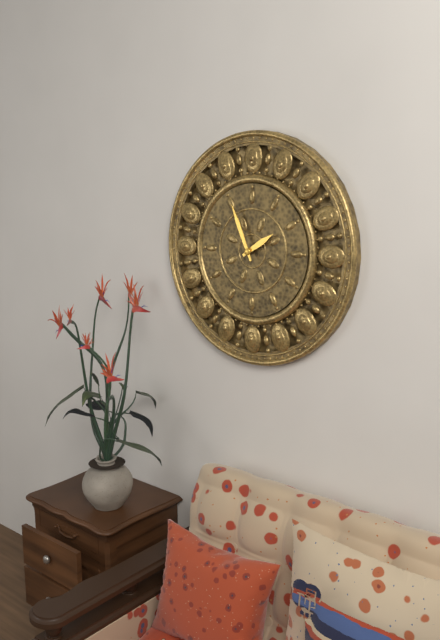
{"hour": 1, "minute": 56}
